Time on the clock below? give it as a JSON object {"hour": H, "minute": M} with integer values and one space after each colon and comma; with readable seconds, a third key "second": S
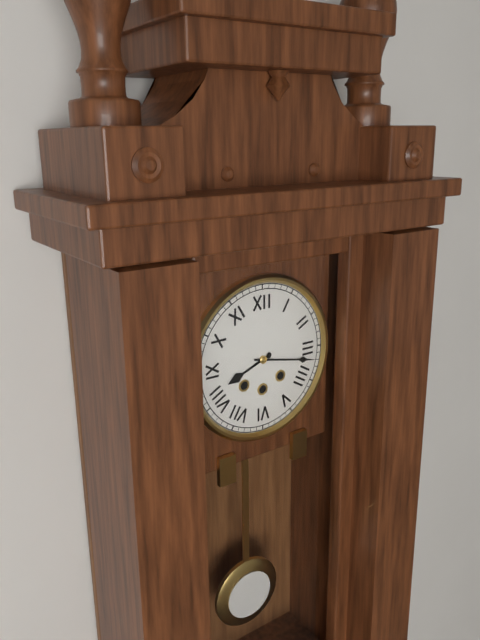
{"hour": 8, "minute": 17}
